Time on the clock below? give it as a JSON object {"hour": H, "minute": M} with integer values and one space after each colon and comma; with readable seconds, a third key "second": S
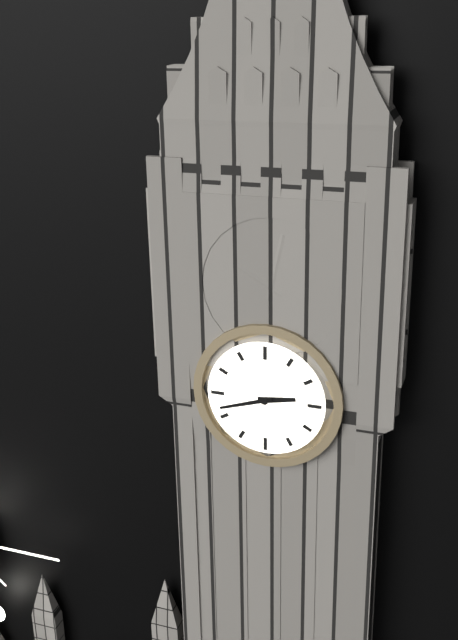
{"hour": 2, "minute": 42}
